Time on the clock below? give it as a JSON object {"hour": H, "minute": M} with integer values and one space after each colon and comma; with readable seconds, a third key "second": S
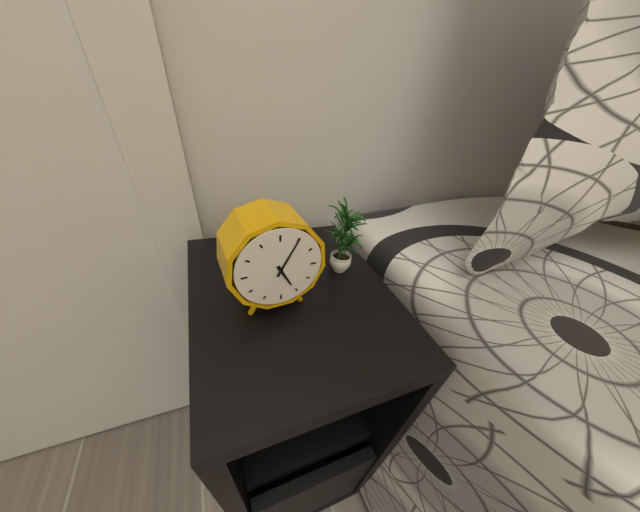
{"hour": 5, "minute": 5}
